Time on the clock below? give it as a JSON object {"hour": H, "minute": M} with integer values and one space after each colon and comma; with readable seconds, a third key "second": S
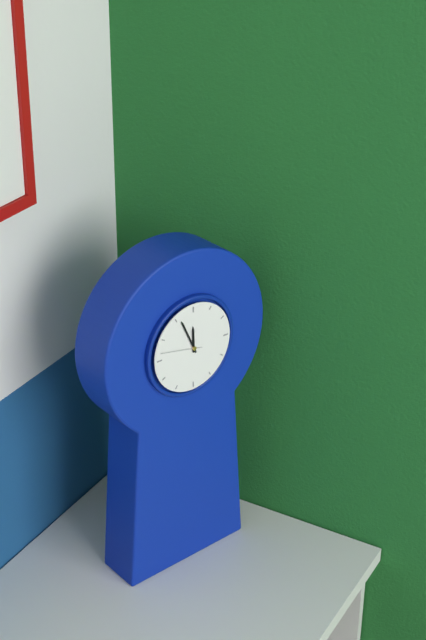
{"hour": 11, "minute": 56}
